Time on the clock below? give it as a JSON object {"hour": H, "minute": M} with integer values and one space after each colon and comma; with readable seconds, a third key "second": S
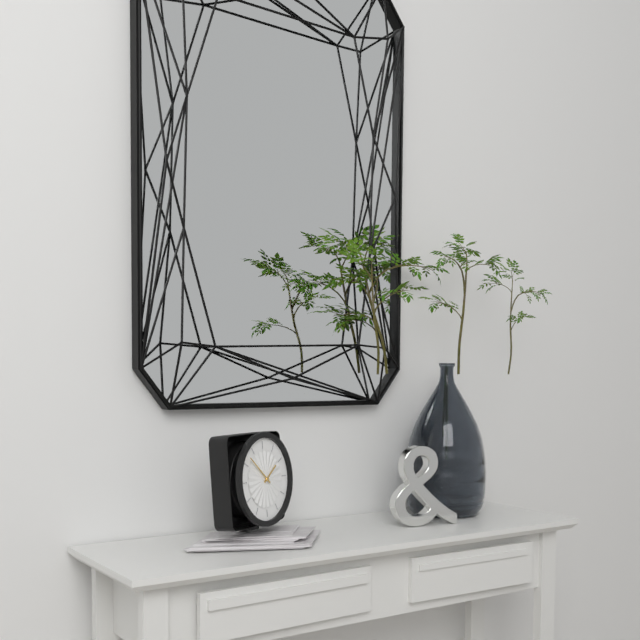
{"hour": 1, "minute": 52}
